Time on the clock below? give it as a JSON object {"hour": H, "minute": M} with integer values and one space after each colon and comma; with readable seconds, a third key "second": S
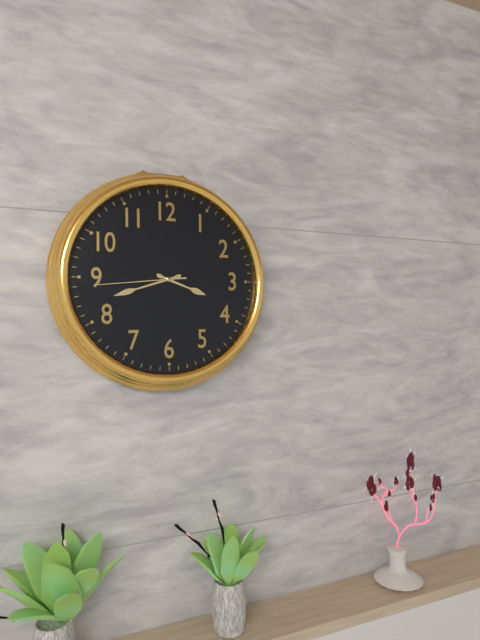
{"hour": 3, "minute": 42, "second": 44}
